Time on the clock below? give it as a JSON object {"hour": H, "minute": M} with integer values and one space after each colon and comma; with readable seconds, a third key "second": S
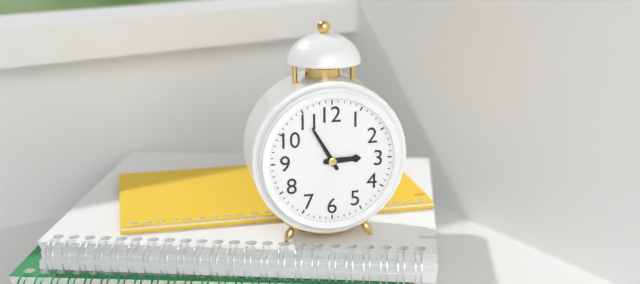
{"hour": 2, "minute": 55}
